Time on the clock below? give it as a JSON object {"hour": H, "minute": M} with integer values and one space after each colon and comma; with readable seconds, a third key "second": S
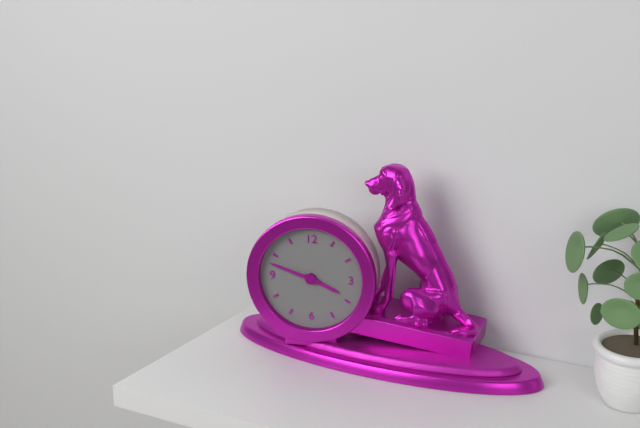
{"hour": 3, "minute": 48}
